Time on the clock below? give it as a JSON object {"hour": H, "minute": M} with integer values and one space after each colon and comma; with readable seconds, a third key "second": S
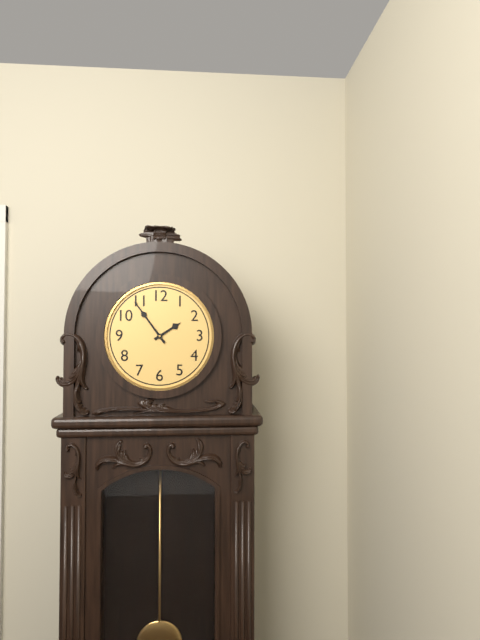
{"hour": 1, "minute": 54}
